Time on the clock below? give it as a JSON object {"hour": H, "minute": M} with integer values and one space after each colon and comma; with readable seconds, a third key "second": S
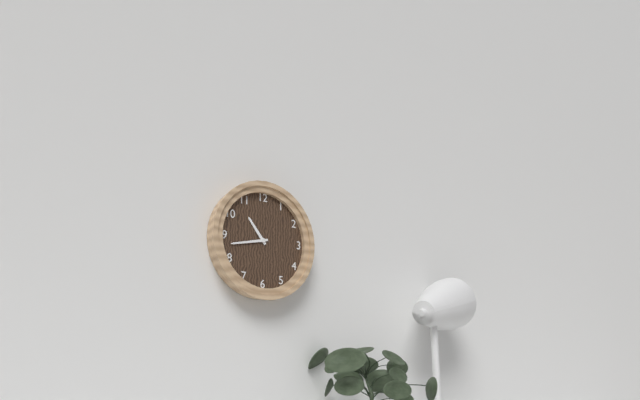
{"hour": 10, "minute": 43}
